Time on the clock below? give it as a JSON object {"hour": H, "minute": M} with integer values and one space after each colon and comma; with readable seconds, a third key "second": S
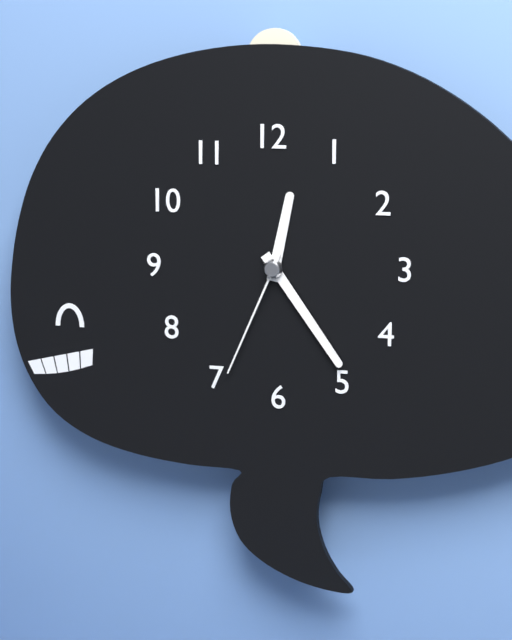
{"hour": 12, "minute": 24, "second": 34}
